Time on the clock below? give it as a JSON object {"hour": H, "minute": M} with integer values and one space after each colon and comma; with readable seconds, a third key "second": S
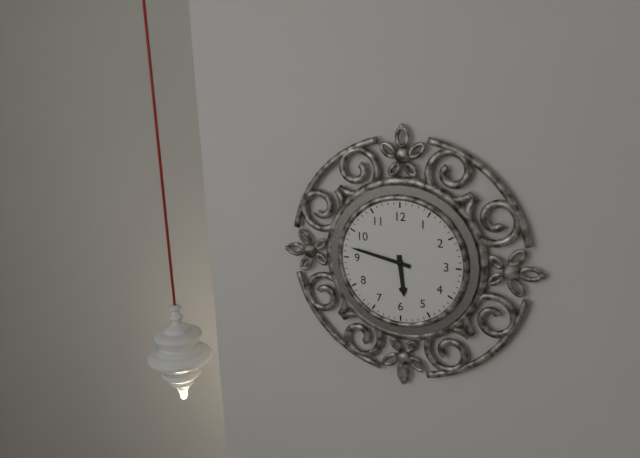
{"hour": 5, "minute": 47}
